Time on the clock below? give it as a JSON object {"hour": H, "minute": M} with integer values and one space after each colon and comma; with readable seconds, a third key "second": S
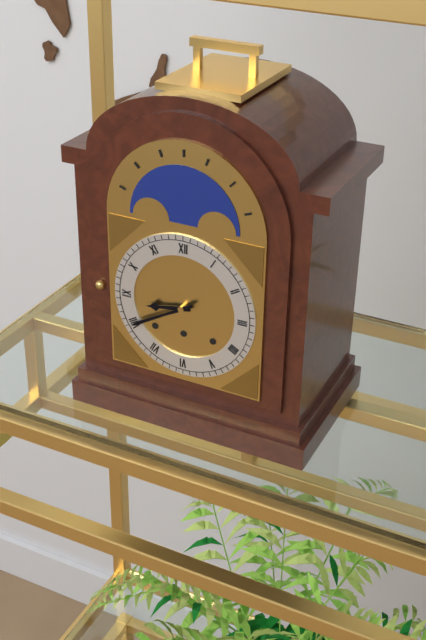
{"hour": 8, "minute": 40}
